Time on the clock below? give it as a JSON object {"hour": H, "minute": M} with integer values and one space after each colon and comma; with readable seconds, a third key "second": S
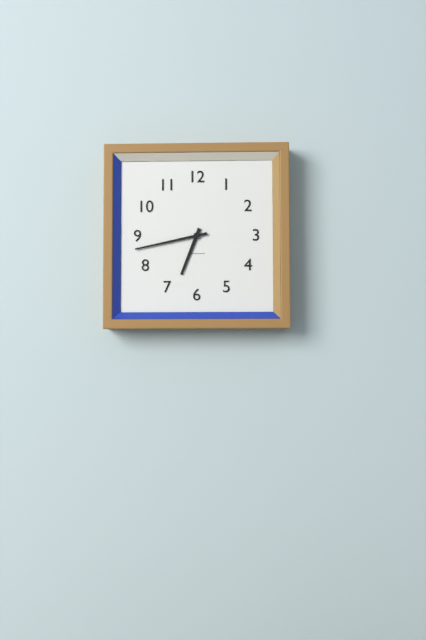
{"hour": 6, "minute": 43}
